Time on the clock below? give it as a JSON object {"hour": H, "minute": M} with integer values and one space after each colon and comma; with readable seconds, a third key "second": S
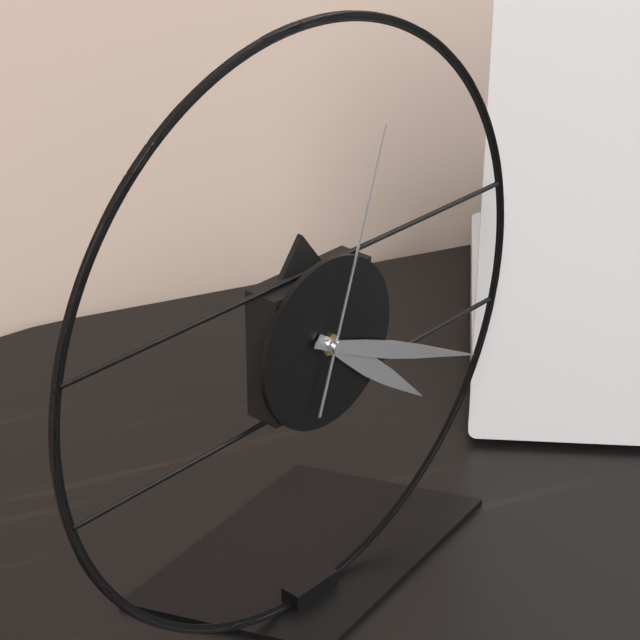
{"hour": 4, "minute": 19, "second": 3}
